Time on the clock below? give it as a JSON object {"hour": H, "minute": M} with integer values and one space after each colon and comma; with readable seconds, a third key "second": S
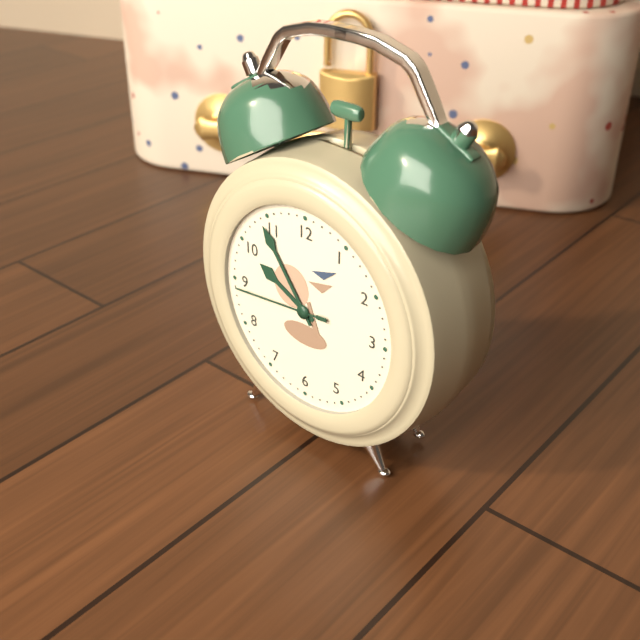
{"hour": 9, "minute": 54, "second": 44}
